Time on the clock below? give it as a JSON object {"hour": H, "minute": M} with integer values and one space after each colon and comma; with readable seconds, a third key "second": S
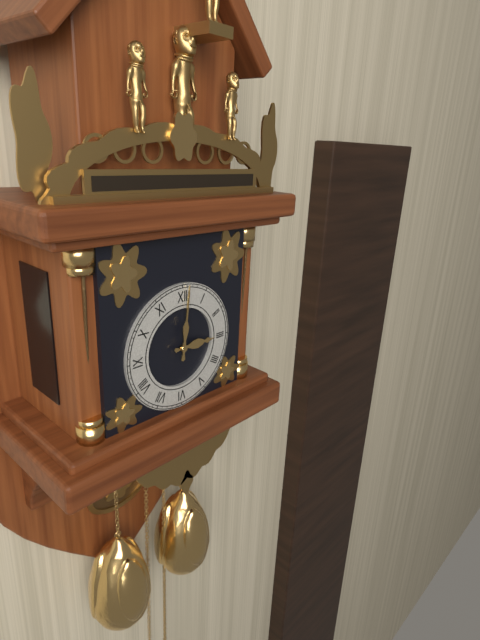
{"hour": 3, "minute": 1}
